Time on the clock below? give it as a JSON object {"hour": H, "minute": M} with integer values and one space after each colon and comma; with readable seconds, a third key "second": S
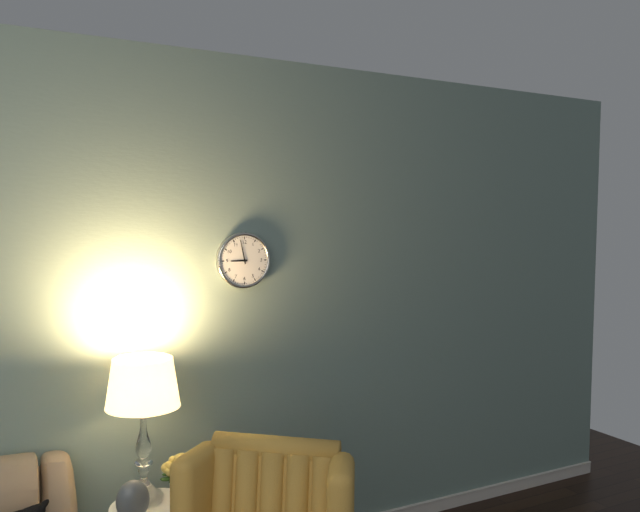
{"hour": 8, "minute": 58}
